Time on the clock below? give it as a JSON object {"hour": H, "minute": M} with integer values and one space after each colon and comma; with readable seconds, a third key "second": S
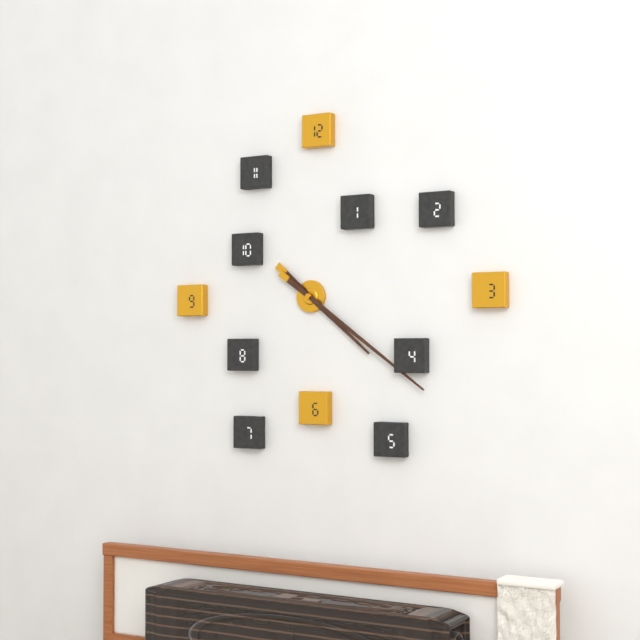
{"hour": 4, "minute": 21}
